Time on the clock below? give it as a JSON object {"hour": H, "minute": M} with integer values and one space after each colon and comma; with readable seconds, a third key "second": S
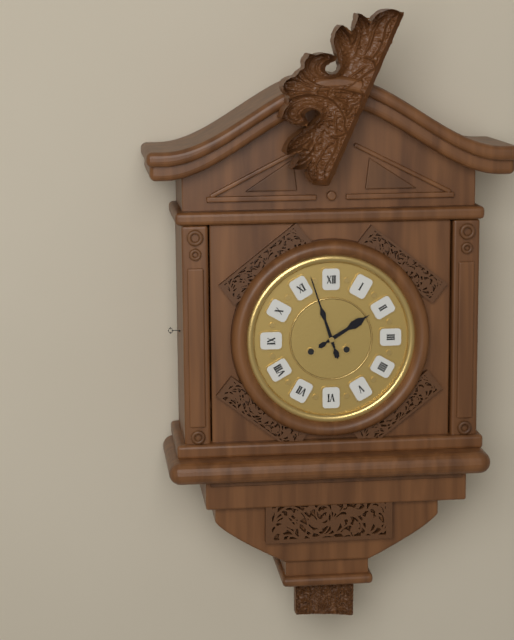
{"hour": 1, "minute": 57}
